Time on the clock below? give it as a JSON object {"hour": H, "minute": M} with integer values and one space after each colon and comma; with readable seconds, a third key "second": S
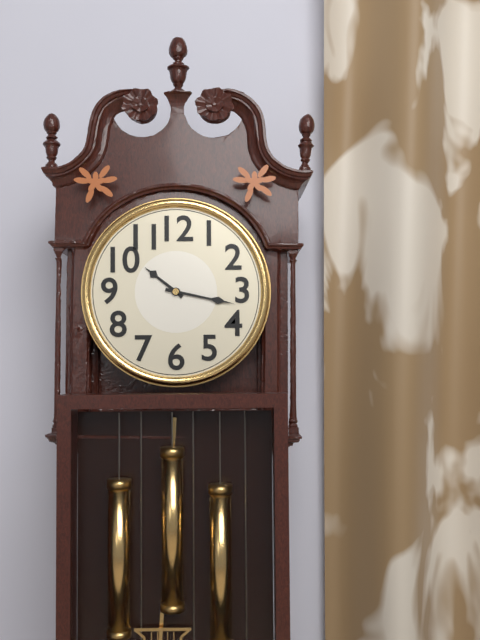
{"hour": 10, "minute": 17}
